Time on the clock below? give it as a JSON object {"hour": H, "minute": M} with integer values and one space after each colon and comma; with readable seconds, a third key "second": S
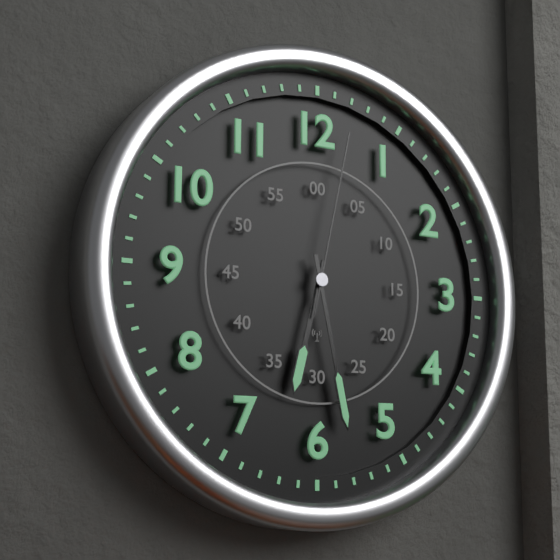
{"hour": 6, "minute": 28, "second": 2}
